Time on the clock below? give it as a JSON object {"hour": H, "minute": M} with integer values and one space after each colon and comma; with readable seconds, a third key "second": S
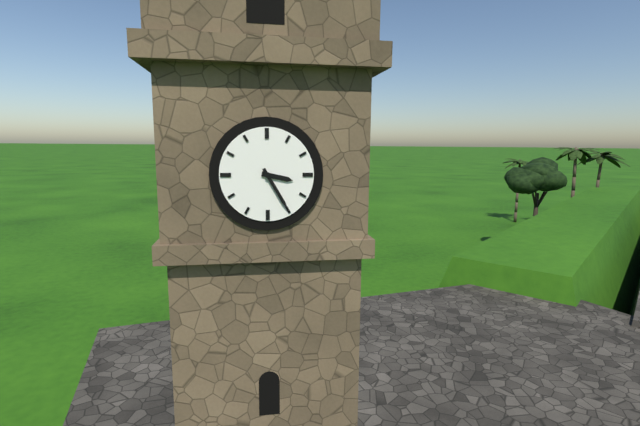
{"hour": 3, "minute": 25}
